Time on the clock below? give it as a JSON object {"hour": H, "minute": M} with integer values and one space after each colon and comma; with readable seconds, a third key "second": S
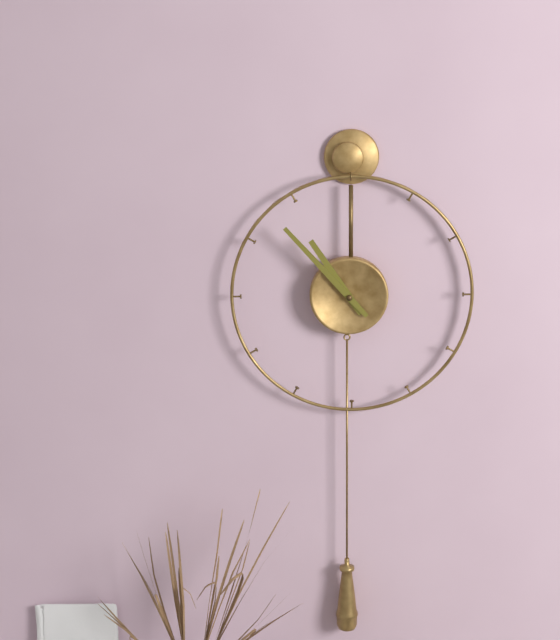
{"hour": 10, "minute": 53}
